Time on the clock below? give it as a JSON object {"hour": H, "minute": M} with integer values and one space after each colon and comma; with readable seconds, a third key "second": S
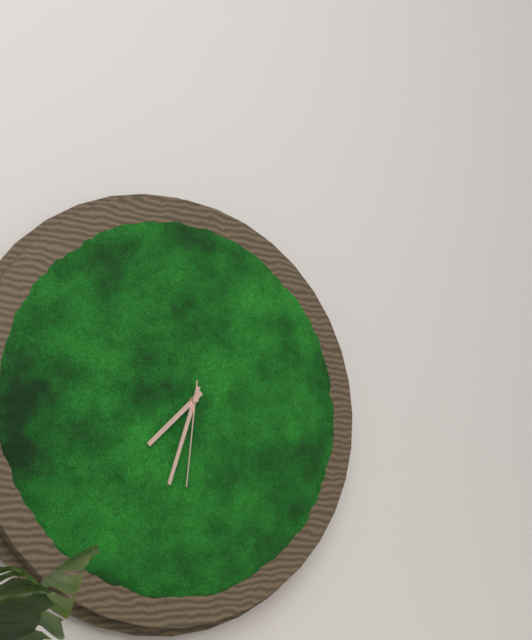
{"hour": 7, "minute": 33, "second": 31}
